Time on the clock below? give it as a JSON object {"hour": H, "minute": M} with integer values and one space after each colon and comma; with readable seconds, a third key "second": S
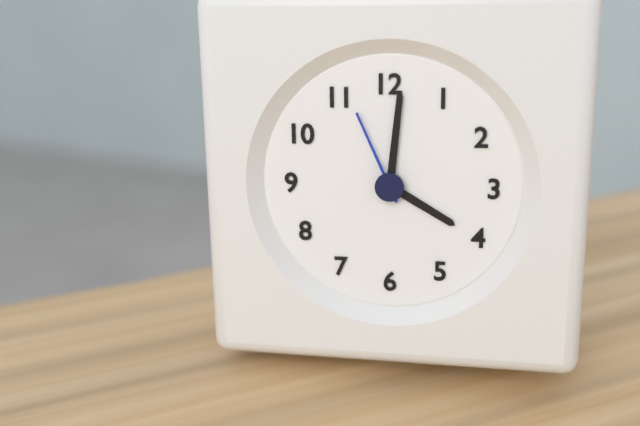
{"hour": 4, "minute": 1, "second": 56}
